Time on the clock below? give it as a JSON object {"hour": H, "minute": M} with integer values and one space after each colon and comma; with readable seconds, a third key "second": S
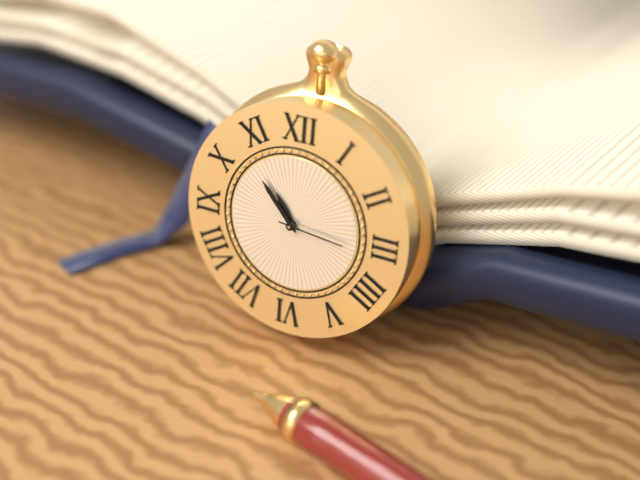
{"hour": 10, "minute": 53, "second": 16}
